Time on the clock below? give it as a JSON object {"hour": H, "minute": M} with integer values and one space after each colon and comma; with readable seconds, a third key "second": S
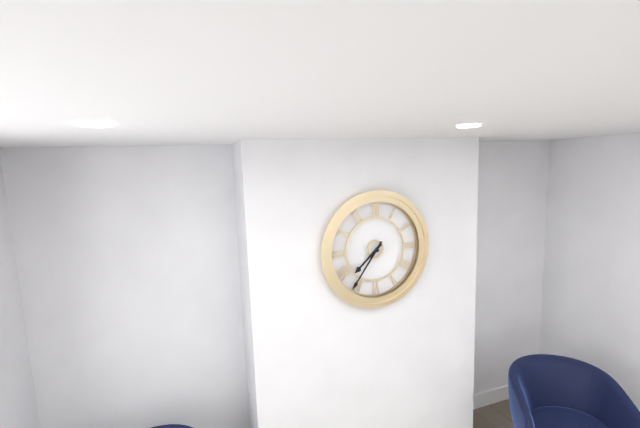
{"hour": 7, "minute": 36}
